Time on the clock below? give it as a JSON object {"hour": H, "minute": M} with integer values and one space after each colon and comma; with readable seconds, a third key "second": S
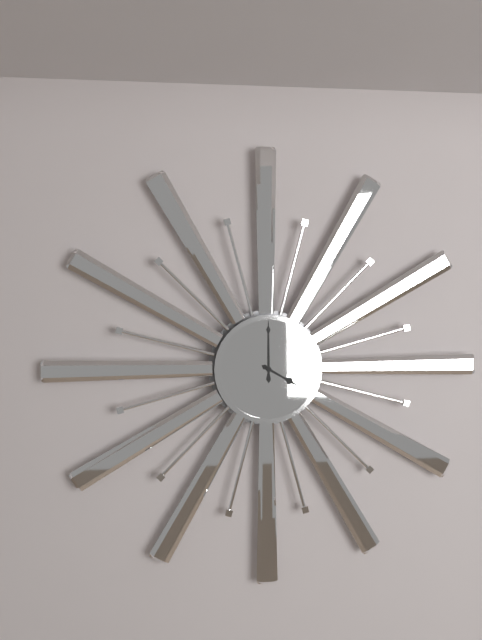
{"hour": 4, "minute": 0}
